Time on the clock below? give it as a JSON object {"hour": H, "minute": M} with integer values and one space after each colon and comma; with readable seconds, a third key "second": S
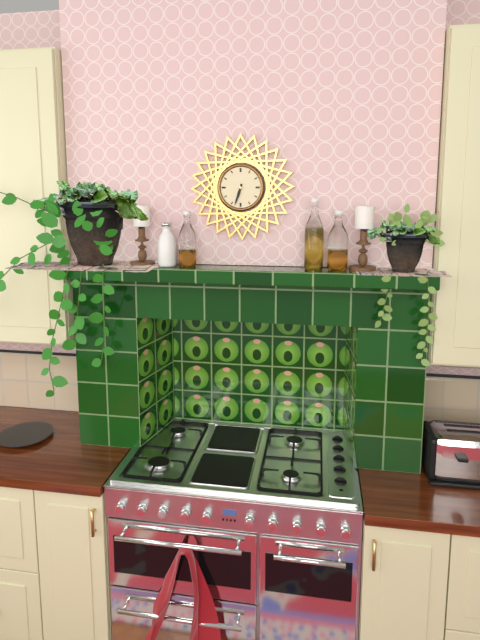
{"hour": 6, "minute": 33}
